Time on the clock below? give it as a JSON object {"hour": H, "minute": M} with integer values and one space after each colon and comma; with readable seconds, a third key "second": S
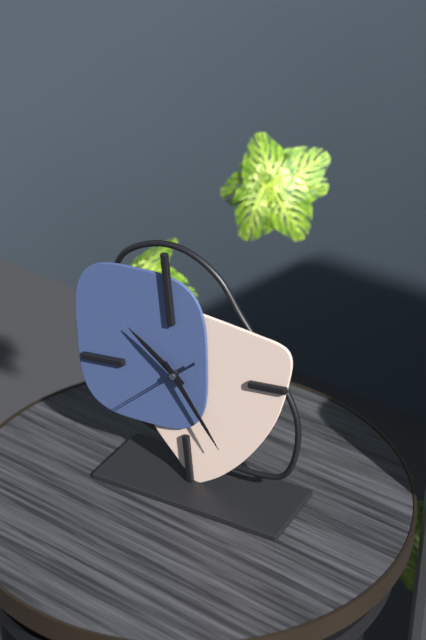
{"hour": 10, "minute": 25, "second": 39}
